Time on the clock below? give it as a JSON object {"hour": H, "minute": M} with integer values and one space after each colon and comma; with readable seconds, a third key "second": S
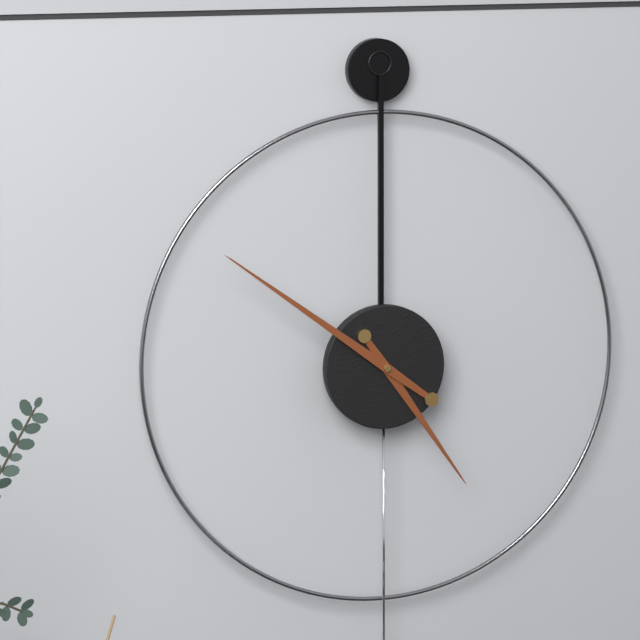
{"hour": 4, "minute": 51}
